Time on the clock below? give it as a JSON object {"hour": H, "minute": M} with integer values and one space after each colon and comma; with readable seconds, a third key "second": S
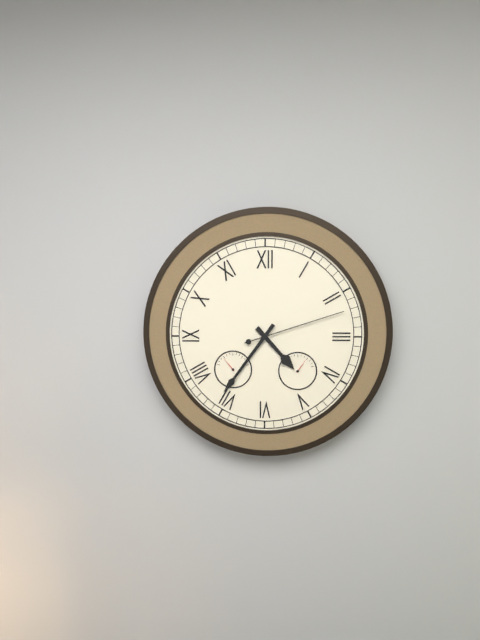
{"hour": 4, "minute": 36, "second": 12}
